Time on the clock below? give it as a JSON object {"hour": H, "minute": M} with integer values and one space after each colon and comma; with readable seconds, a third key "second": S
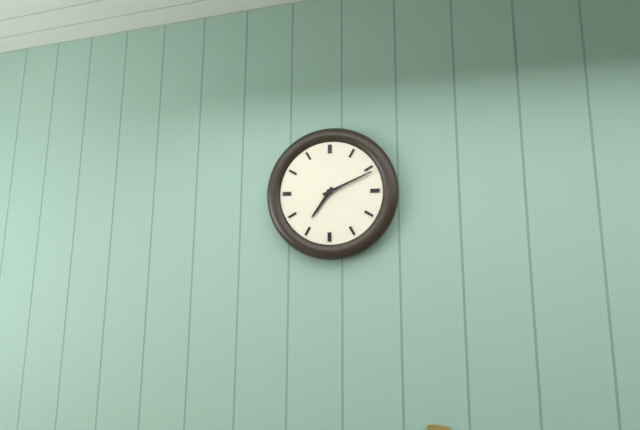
{"hour": 7, "minute": 11}
